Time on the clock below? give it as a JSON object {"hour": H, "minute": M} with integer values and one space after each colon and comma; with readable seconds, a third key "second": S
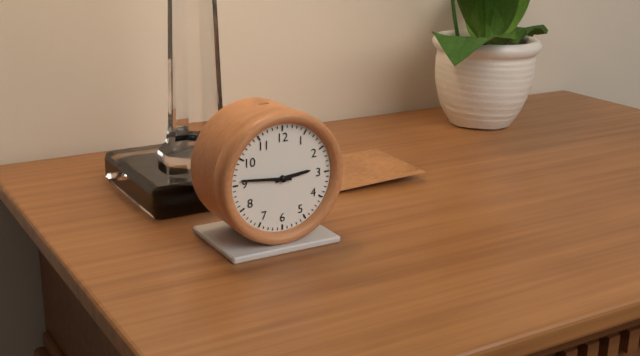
{"hour": 2, "minute": 46}
